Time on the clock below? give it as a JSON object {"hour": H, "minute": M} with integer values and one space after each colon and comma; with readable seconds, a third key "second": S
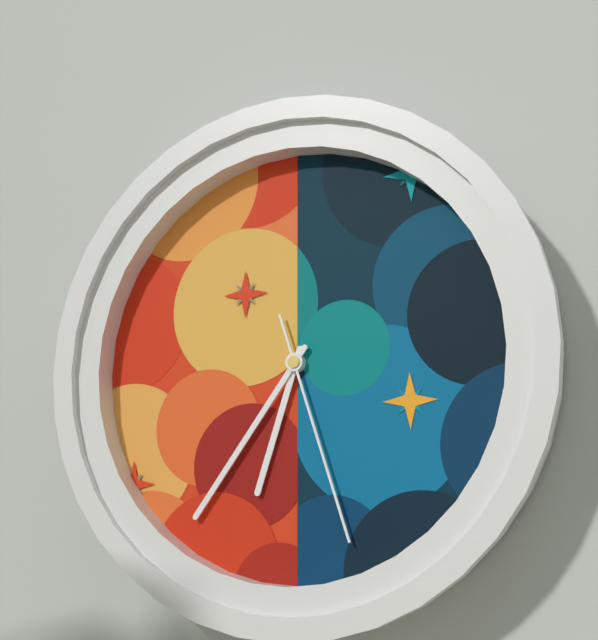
{"hour": 6, "minute": 36, "second": 27}
